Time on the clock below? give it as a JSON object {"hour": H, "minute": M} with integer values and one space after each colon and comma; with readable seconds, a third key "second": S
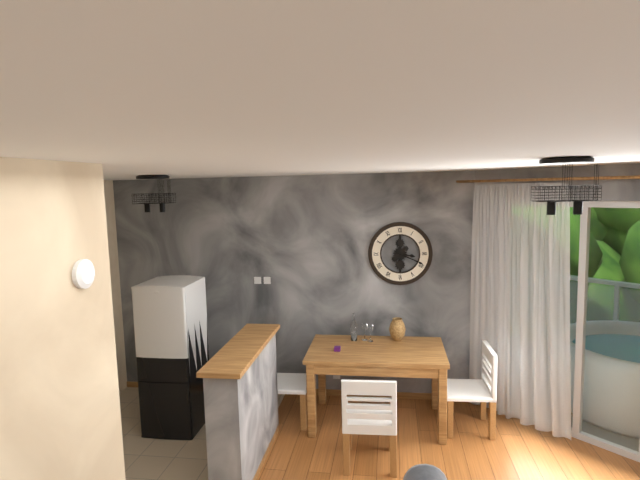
{"hour": 3, "minute": 19}
